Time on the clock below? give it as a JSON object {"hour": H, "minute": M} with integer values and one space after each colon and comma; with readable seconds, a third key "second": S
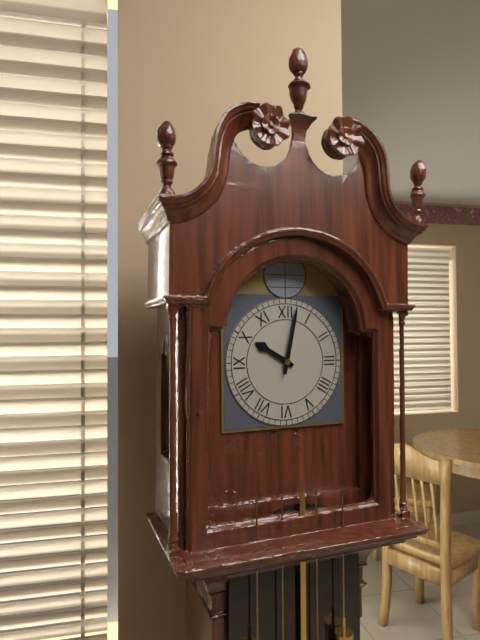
{"hour": 10, "minute": 2}
